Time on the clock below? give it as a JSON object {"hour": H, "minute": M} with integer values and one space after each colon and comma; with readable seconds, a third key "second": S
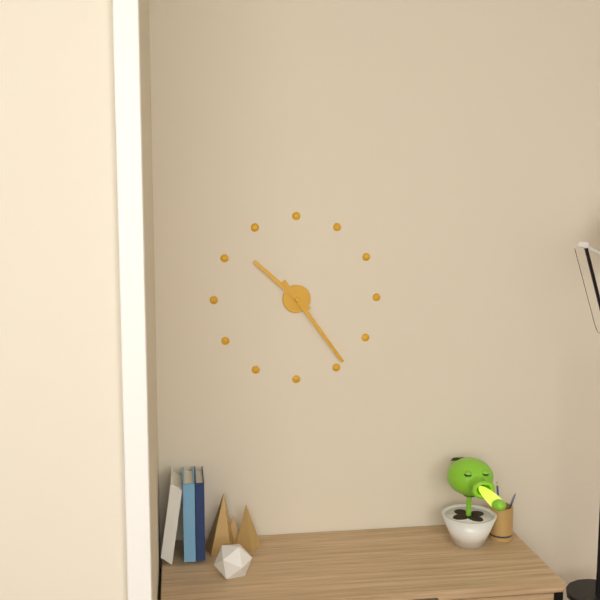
{"hour": 10, "minute": 24}
